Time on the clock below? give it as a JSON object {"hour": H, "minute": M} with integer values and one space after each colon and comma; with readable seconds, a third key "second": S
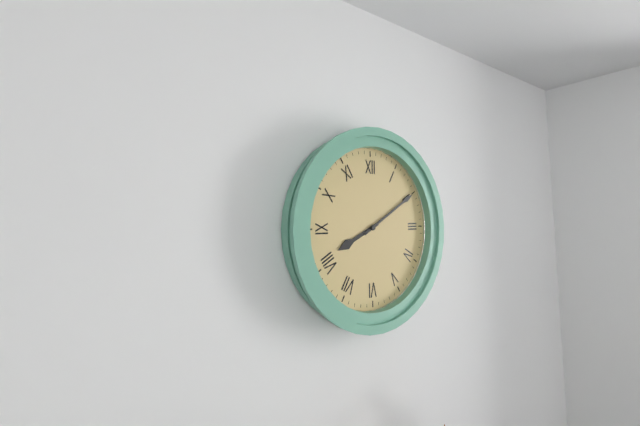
{"hour": 8, "minute": 10}
